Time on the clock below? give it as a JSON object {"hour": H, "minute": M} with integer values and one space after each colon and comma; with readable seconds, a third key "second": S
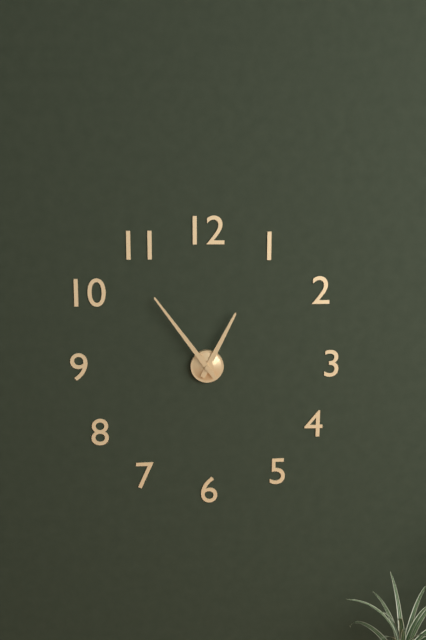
{"hour": 12, "minute": 54}
